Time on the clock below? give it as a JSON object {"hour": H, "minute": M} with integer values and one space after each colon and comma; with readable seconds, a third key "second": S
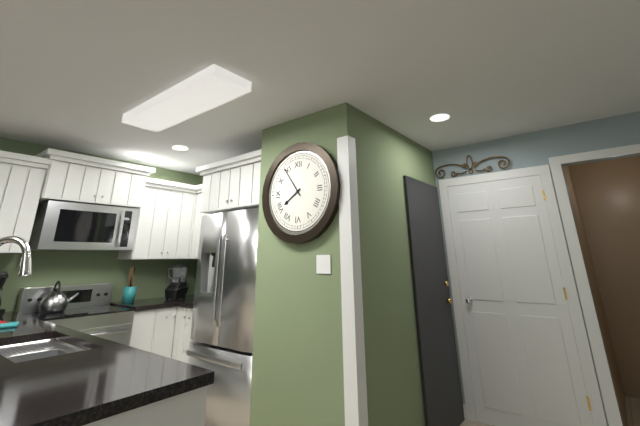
{"hour": 7, "minute": 54}
